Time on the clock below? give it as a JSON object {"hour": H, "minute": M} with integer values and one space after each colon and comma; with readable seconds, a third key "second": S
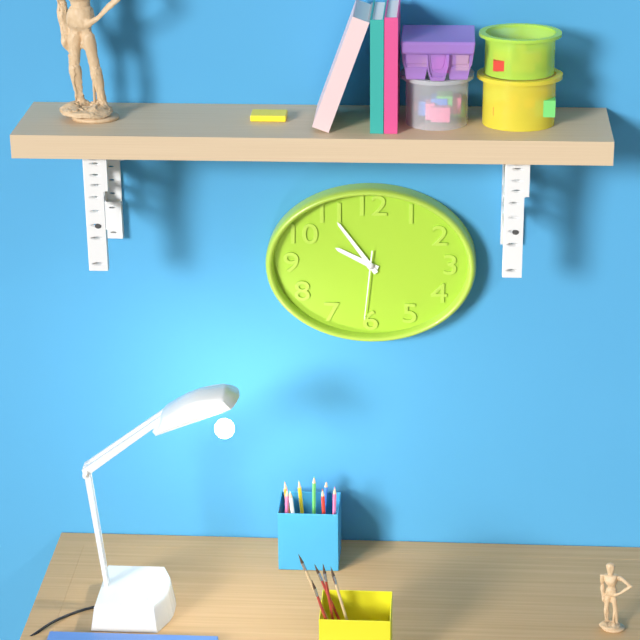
{"hour": 9, "minute": 54, "second": 31}
